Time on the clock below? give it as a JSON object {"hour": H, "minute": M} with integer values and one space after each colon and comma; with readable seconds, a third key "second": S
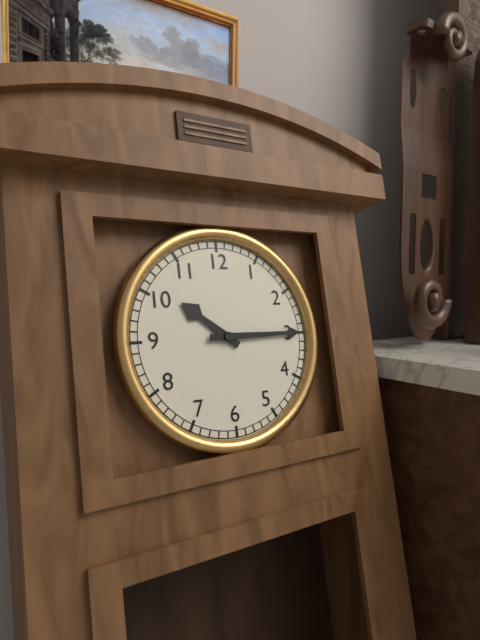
{"hour": 10, "minute": 15}
